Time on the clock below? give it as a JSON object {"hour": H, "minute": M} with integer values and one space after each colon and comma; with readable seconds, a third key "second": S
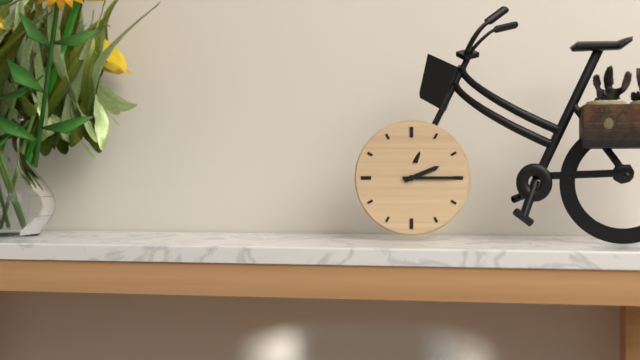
{"hour": 2, "minute": 15}
